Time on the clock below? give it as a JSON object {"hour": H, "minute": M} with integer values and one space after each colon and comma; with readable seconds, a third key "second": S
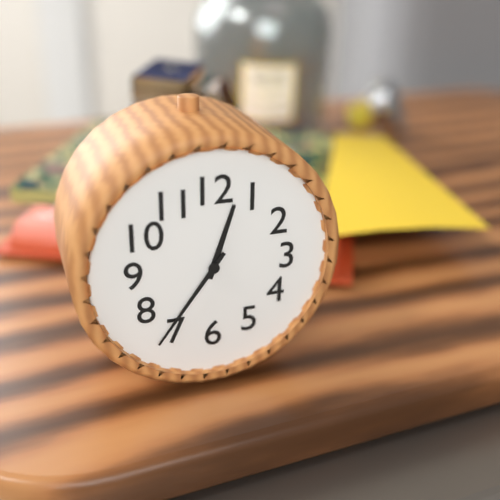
{"hour": 12, "minute": 36}
